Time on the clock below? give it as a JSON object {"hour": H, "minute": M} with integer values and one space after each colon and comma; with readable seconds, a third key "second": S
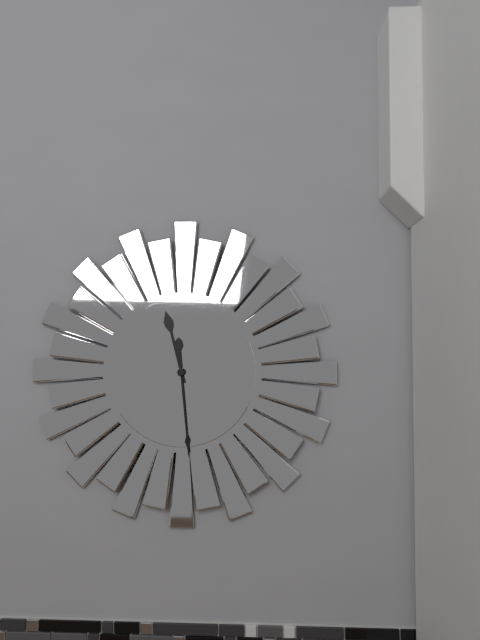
{"hour": 11, "minute": 29}
